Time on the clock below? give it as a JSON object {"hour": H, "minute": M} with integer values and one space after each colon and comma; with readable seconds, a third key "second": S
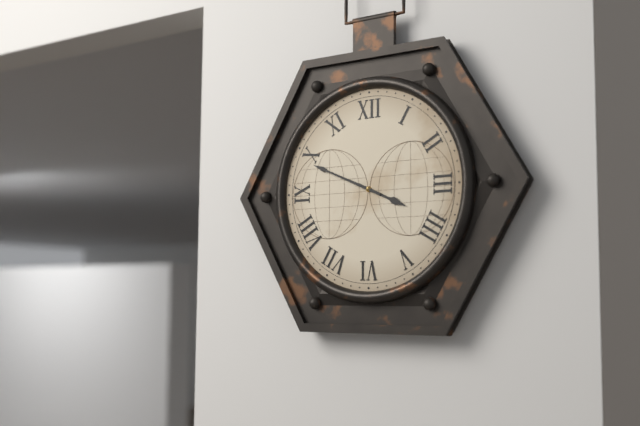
{"hour": 3, "minute": 49}
